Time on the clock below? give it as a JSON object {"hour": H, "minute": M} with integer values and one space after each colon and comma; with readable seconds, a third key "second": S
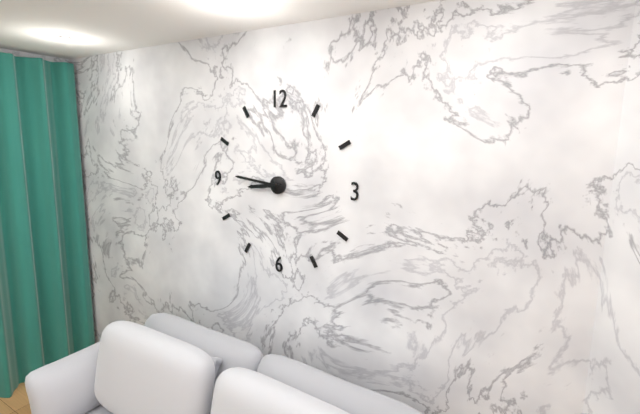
{"hour": 8, "minute": 46}
